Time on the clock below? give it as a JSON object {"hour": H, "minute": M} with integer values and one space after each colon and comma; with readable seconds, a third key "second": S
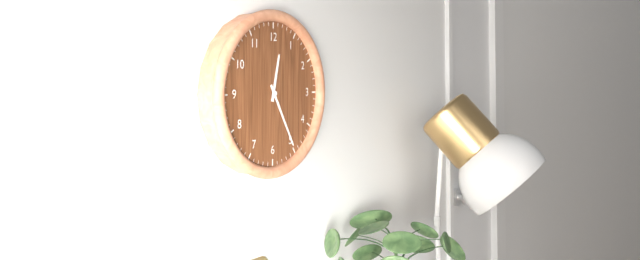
{"hour": 12, "minute": 25}
